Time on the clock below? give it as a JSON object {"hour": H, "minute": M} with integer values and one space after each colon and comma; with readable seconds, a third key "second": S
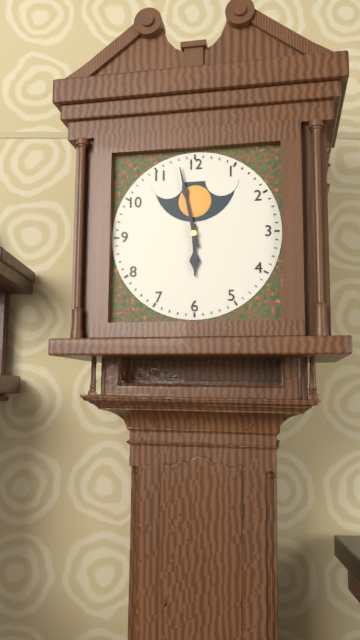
{"hour": 5, "minute": 58}
